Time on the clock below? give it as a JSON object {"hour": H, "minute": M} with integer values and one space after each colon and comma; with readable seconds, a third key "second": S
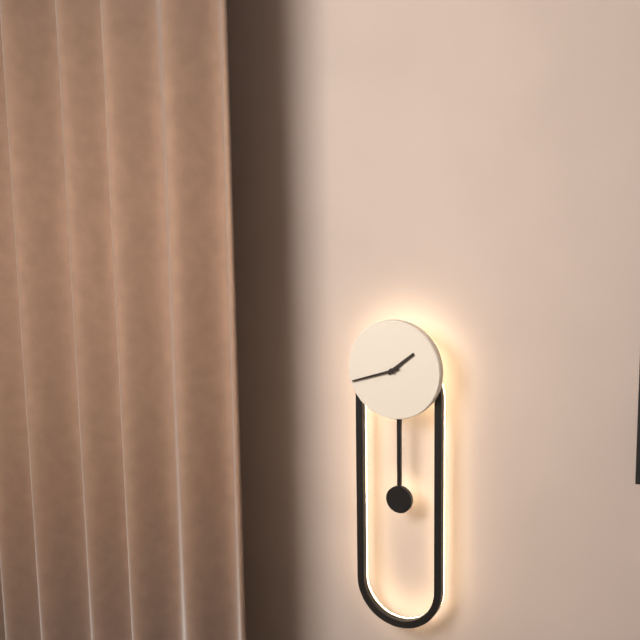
{"hour": 1, "minute": 42}
